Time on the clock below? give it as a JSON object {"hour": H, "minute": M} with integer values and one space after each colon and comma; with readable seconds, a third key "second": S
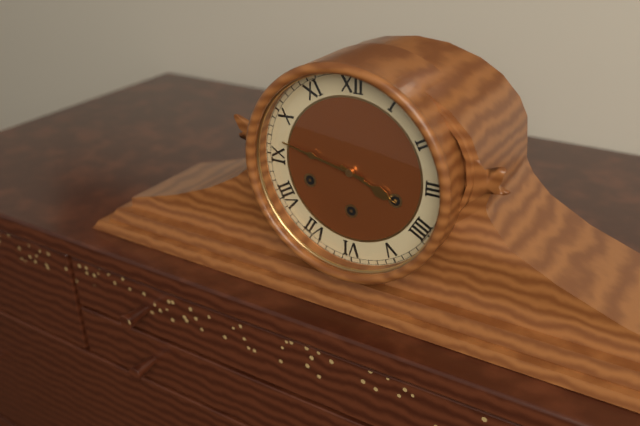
{"hour": 3, "minute": 47}
